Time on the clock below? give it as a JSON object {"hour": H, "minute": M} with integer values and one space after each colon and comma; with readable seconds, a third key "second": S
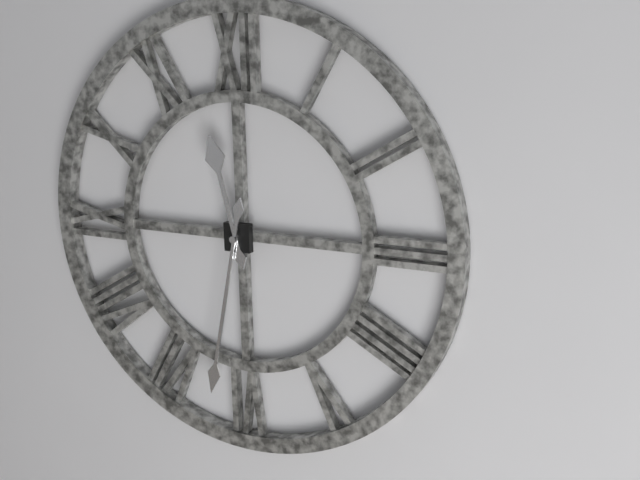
{"hour": 11, "minute": 32}
